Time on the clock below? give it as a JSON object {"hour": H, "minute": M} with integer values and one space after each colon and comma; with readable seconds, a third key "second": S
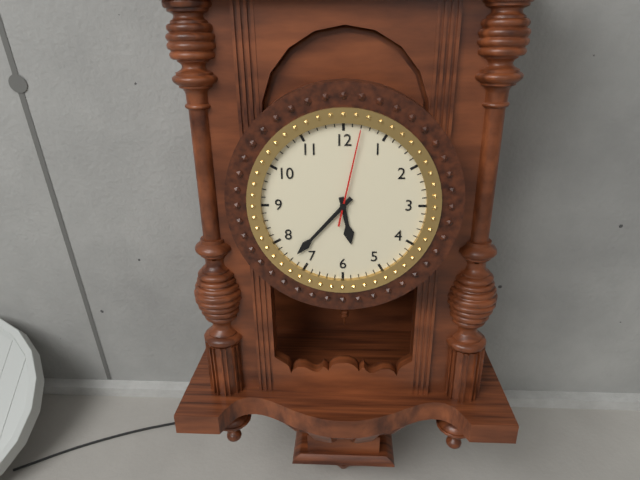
{"hour": 5, "minute": 37, "second": 2}
